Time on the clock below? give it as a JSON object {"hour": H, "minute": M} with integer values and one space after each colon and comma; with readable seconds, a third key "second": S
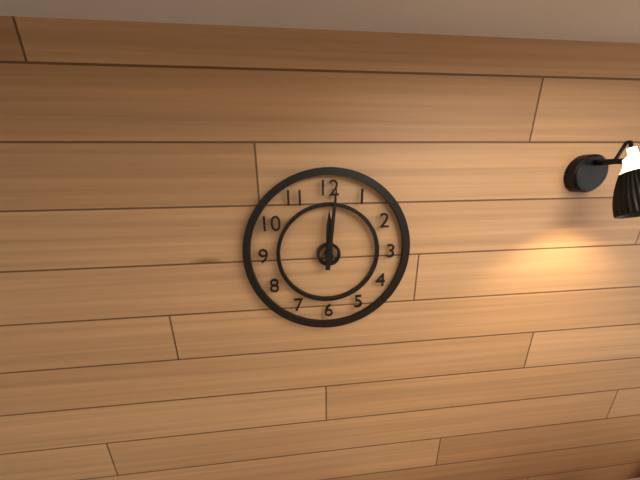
{"hour": 12, "minute": 1}
